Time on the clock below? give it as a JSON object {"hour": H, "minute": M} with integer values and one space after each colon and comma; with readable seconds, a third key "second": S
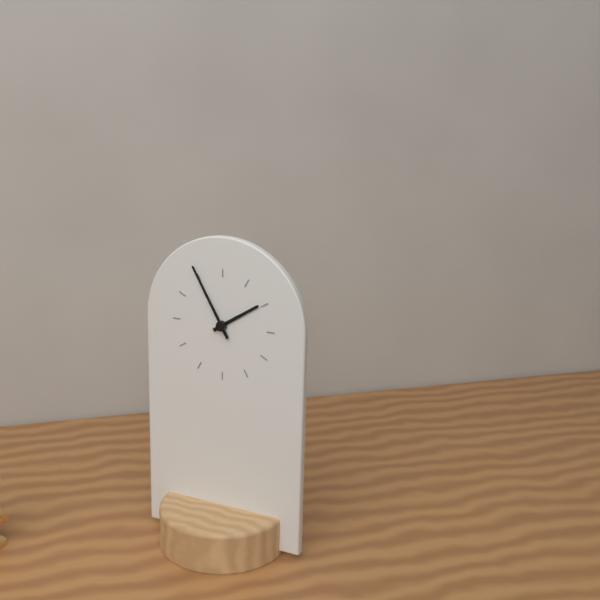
{"hour": 1, "minute": 55}
